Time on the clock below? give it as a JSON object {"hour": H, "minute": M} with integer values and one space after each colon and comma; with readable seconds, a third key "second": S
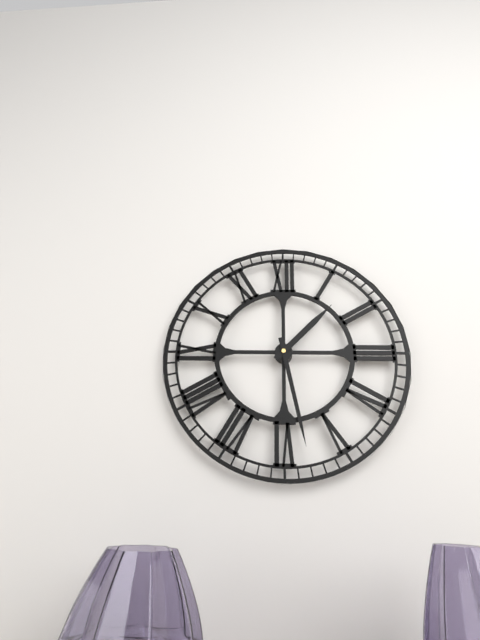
{"hour": 1, "minute": 28}
